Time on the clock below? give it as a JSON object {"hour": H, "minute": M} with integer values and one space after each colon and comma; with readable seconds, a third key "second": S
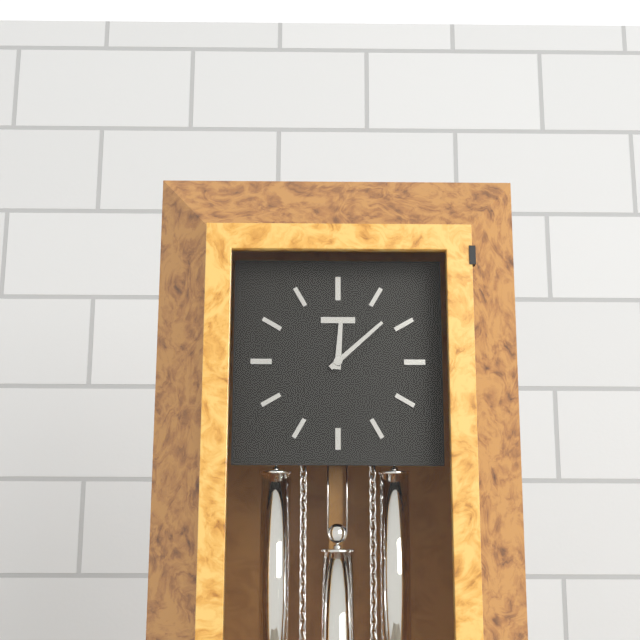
{"hour": 12, "minute": 8}
